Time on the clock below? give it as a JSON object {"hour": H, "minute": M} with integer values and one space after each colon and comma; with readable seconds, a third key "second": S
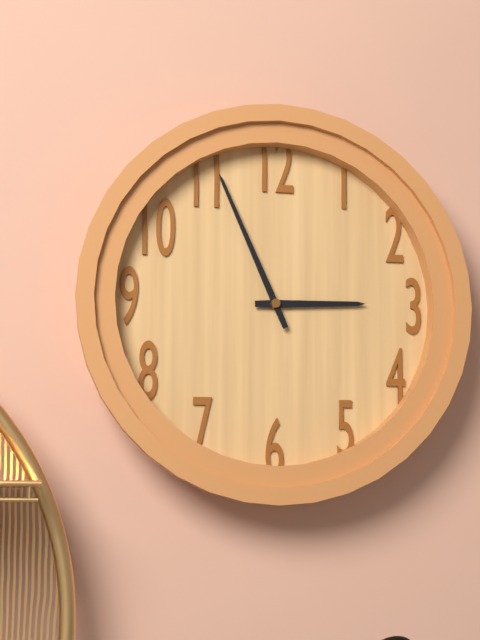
{"hour": 2, "minute": 56}
